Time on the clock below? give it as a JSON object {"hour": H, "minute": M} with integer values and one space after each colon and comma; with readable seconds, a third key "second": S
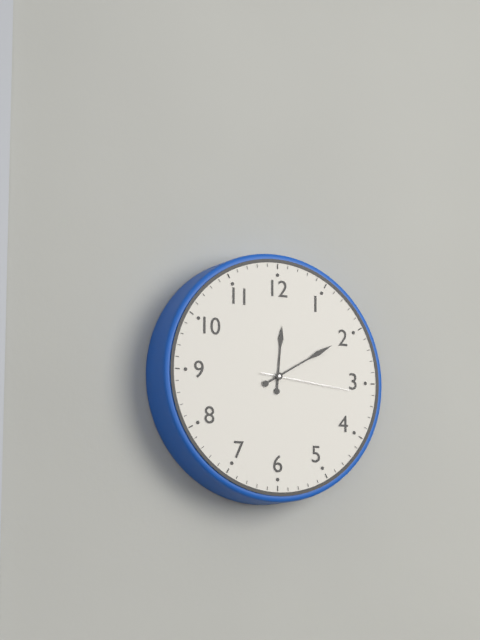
{"hour": 12, "minute": 10, "second": 16}
